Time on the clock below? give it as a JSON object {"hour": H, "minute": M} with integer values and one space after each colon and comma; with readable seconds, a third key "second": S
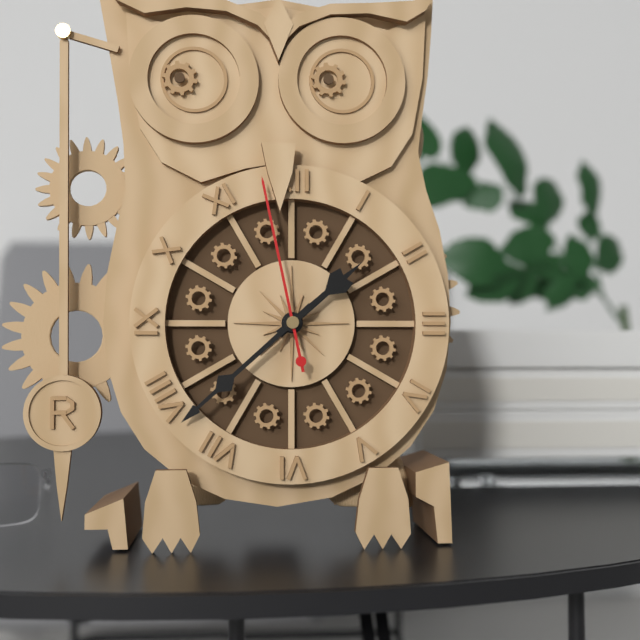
{"hour": 1, "minute": 38, "second": 58}
